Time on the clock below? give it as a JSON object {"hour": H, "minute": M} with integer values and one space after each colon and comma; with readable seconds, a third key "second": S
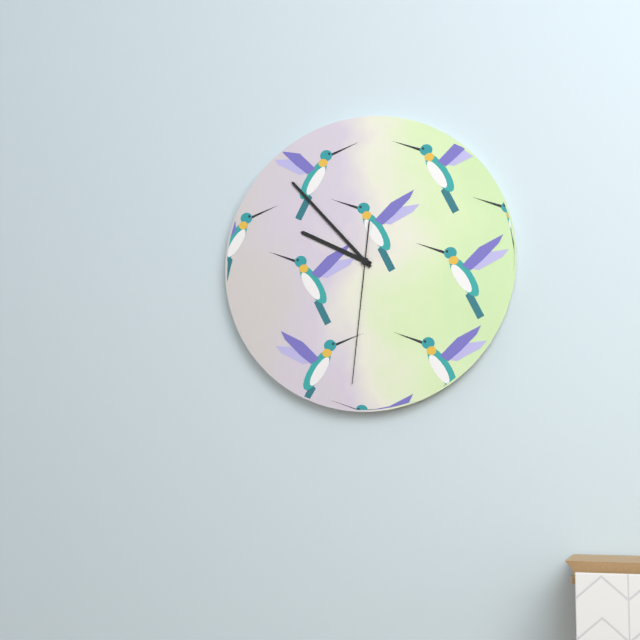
{"hour": 9, "minute": 53, "second": 31}
